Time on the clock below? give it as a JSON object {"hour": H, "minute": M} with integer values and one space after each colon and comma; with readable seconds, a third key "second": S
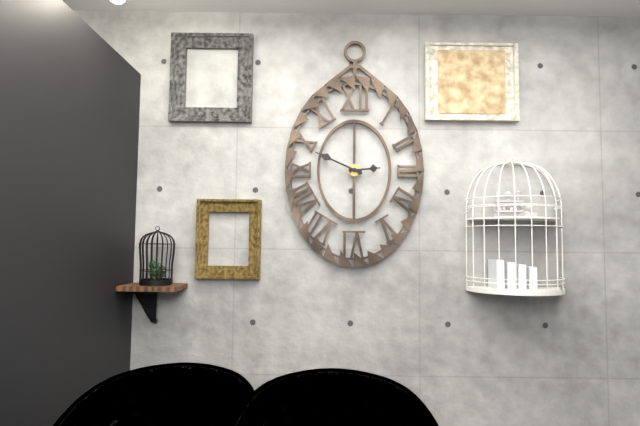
{"hour": 2, "minute": 49}
